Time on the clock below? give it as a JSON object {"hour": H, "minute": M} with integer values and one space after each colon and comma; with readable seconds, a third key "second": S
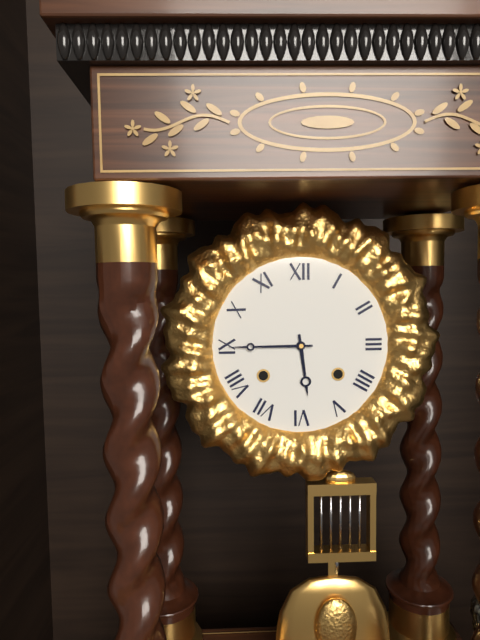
{"hour": 5, "minute": 45}
